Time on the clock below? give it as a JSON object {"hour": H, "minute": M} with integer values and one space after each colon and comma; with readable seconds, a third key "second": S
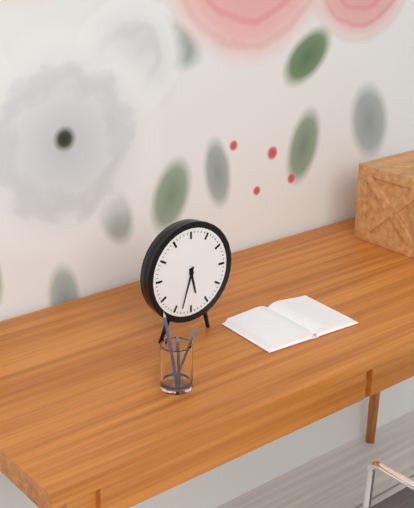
{"hour": 5, "minute": 33}
